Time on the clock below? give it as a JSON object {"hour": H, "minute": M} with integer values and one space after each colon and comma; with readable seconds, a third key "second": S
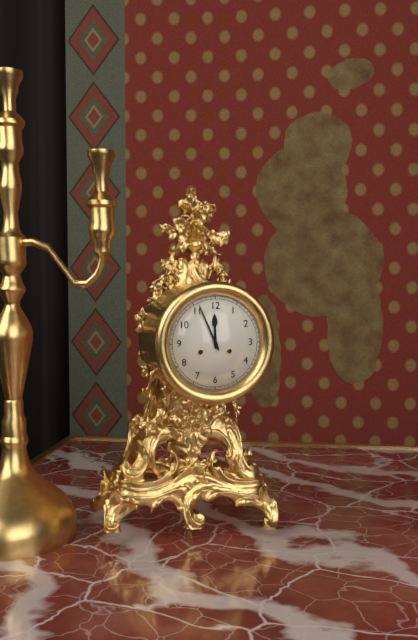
{"hour": 11, "minute": 56}
